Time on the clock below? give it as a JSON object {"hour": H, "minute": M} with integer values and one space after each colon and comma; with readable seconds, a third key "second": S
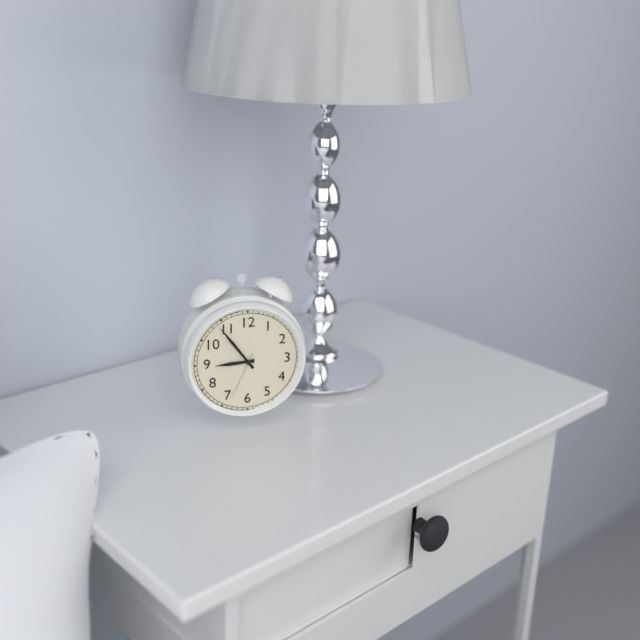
{"hour": 8, "minute": 54, "second": 34}
